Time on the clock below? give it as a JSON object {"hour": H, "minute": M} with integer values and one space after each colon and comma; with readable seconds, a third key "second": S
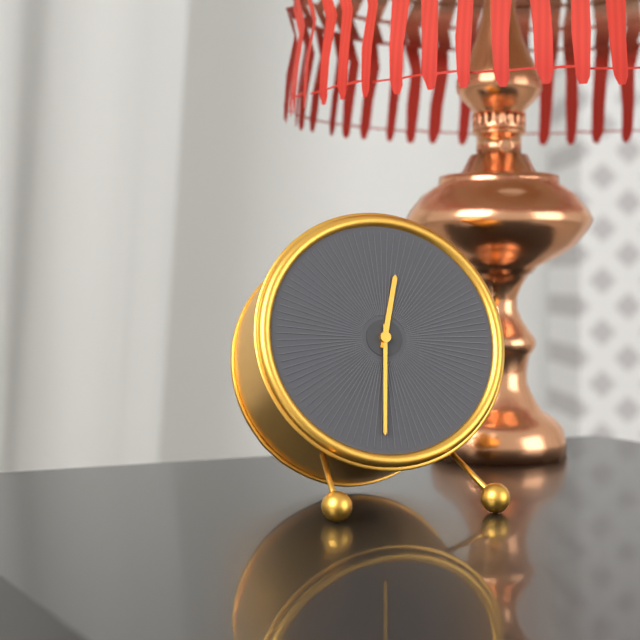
{"hour": 12, "minute": 31}
